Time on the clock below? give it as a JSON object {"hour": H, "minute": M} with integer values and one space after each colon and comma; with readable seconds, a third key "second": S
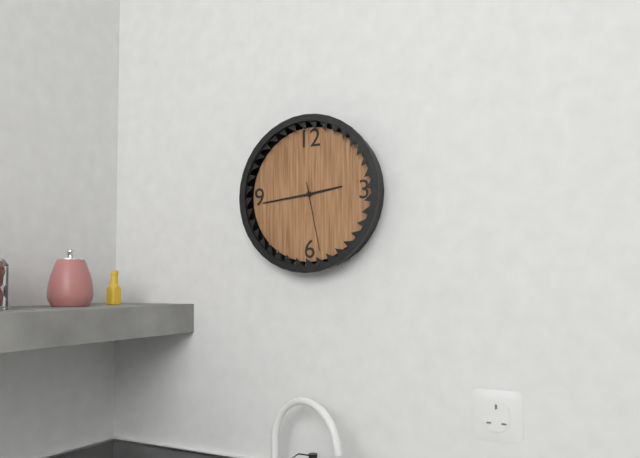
{"hour": 2, "minute": 44, "second": 28}
